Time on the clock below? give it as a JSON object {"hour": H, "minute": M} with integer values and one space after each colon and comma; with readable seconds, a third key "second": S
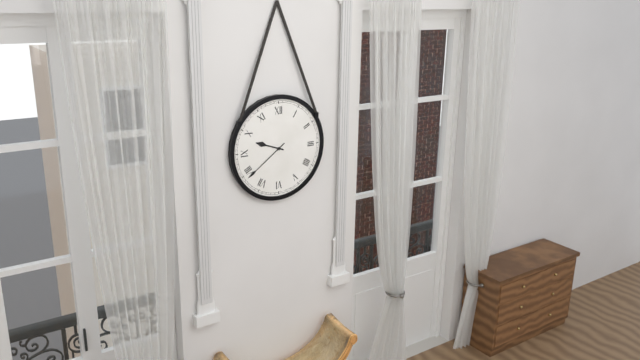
{"hour": 9, "minute": 39}
